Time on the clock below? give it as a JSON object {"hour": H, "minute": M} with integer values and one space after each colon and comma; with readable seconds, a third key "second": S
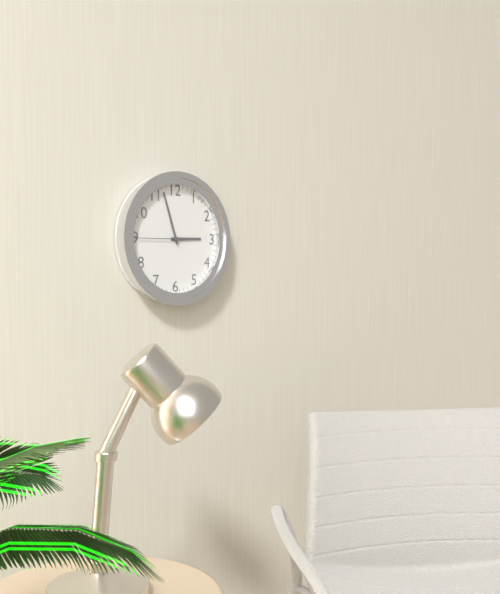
{"hour": 2, "minute": 57, "second": 45}
